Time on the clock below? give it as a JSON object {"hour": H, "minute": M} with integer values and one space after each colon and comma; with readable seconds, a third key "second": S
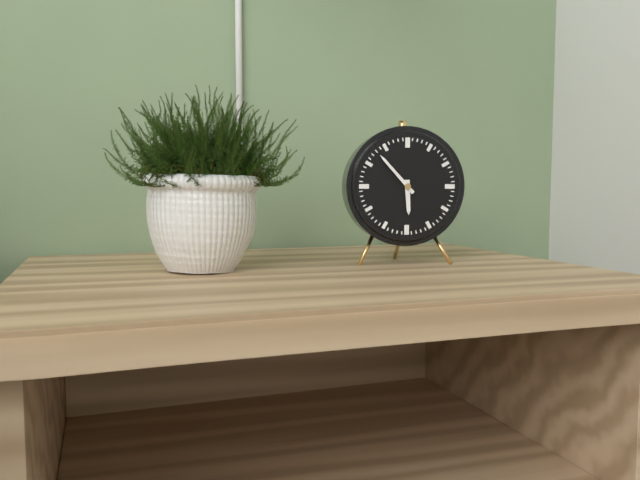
{"hour": 5, "minute": 53}
